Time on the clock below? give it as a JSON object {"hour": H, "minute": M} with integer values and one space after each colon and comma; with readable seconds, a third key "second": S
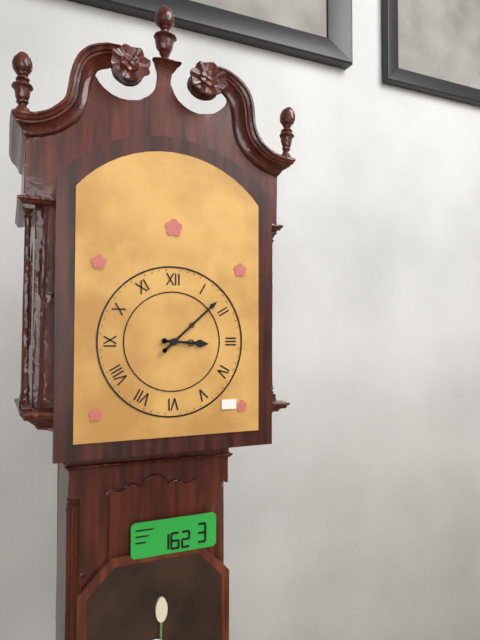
{"hour": 3, "minute": 8}
